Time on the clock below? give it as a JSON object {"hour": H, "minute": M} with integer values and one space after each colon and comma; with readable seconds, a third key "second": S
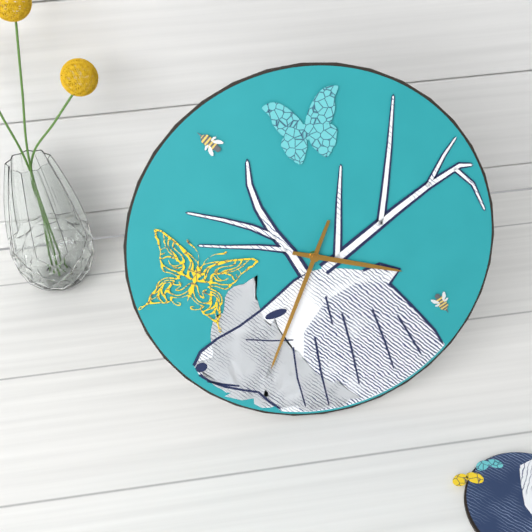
{"hour": 3, "minute": 34}
